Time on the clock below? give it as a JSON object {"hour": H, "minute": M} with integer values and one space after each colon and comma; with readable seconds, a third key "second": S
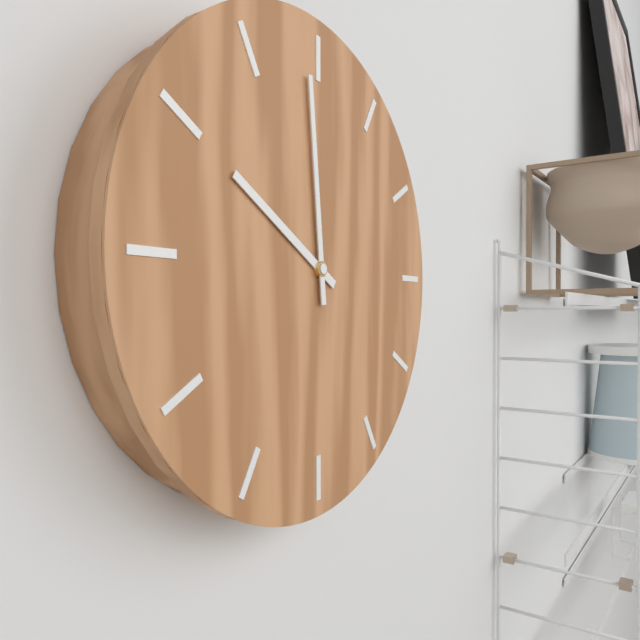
{"hour": 9, "minute": 59}
